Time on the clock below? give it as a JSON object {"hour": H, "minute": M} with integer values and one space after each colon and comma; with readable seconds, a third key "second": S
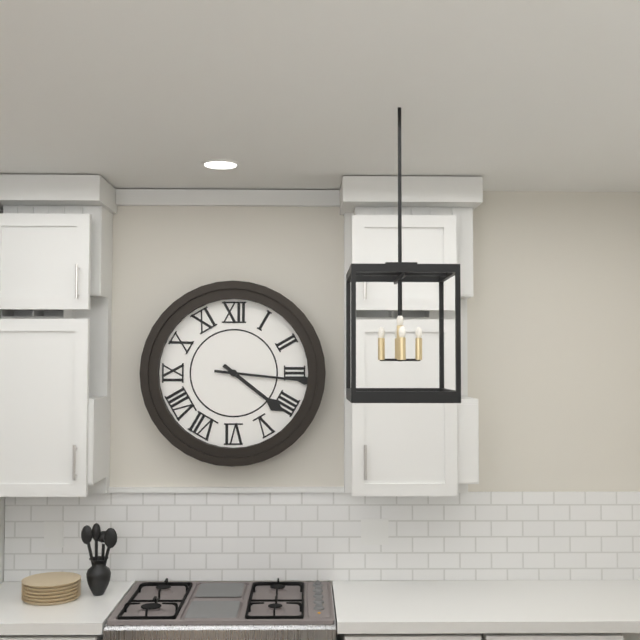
{"hour": 4, "minute": 16}
